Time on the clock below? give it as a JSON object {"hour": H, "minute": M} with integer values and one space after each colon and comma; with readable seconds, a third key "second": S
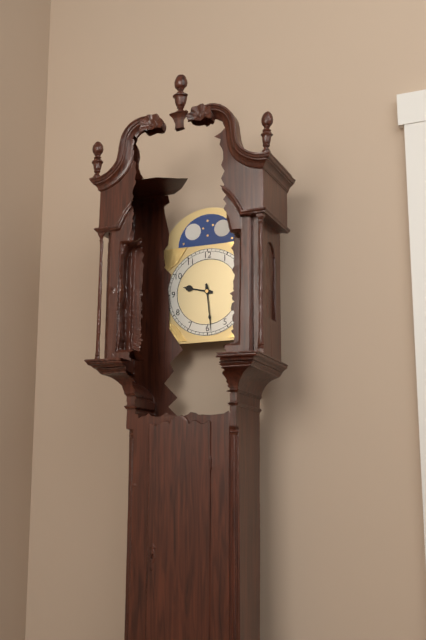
{"hour": 9, "minute": 29}
